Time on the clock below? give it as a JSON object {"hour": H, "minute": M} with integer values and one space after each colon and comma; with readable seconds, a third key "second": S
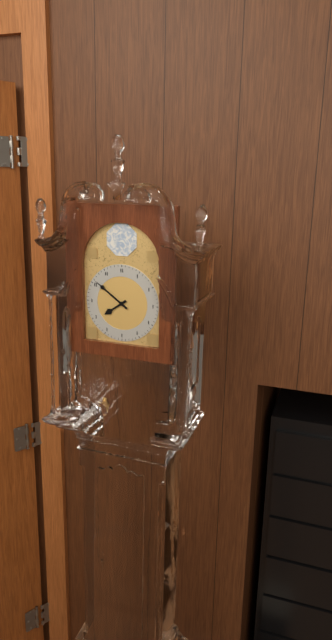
{"hour": 7, "minute": 51}
